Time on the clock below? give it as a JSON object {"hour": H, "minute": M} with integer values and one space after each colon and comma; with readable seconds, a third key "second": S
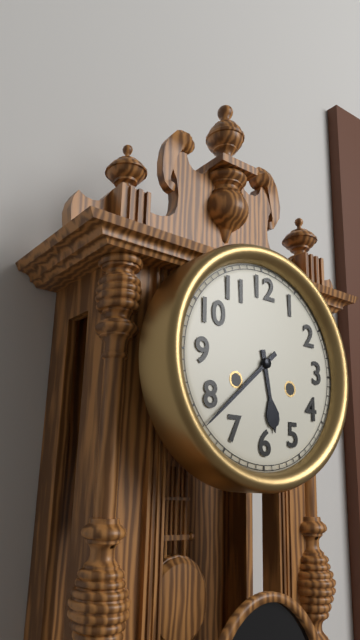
{"hour": 5, "minute": 38}
